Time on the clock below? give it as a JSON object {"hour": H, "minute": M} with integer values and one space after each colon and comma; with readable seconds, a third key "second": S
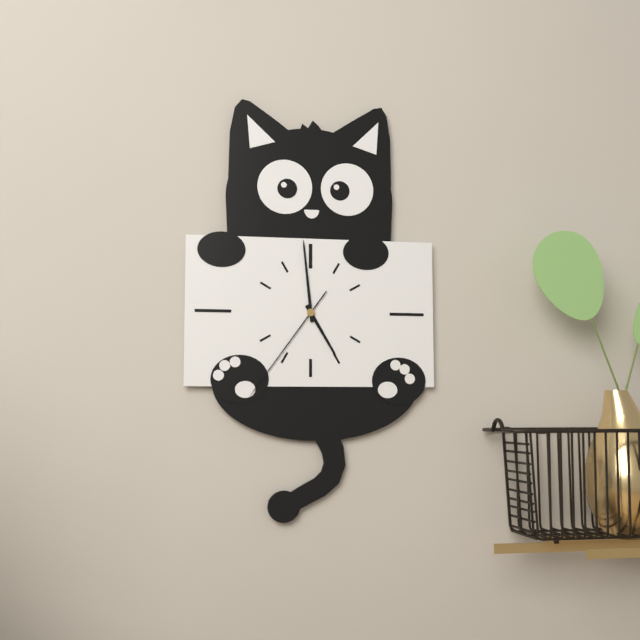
{"hour": 4, "minute": 59, "second": 36}
